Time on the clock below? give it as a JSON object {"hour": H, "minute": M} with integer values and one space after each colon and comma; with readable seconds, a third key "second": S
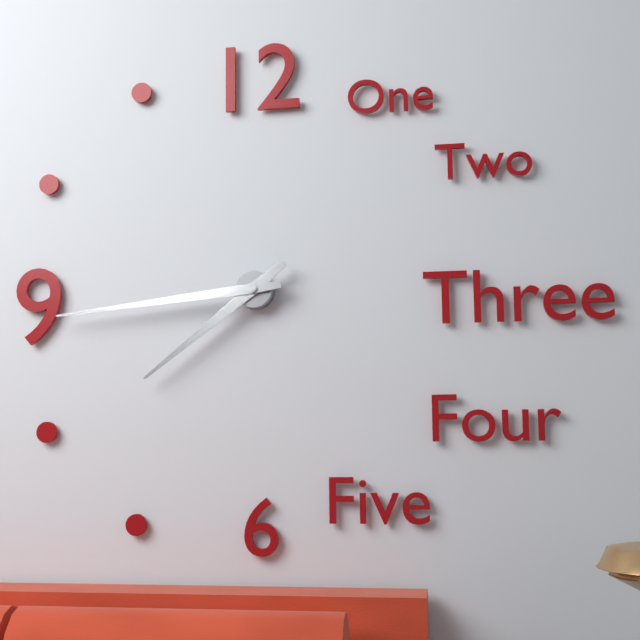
{"hour": 7, "minute": 44}
